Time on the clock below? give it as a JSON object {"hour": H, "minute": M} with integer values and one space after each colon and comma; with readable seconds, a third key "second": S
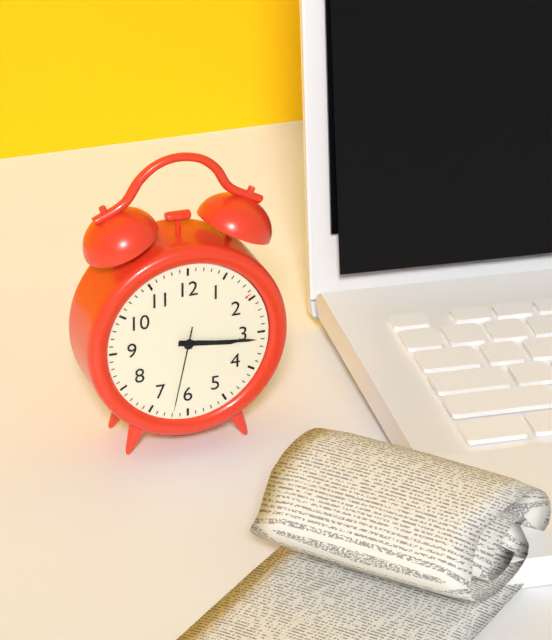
{"hour": 3, "minute": 16, "second": 32}
